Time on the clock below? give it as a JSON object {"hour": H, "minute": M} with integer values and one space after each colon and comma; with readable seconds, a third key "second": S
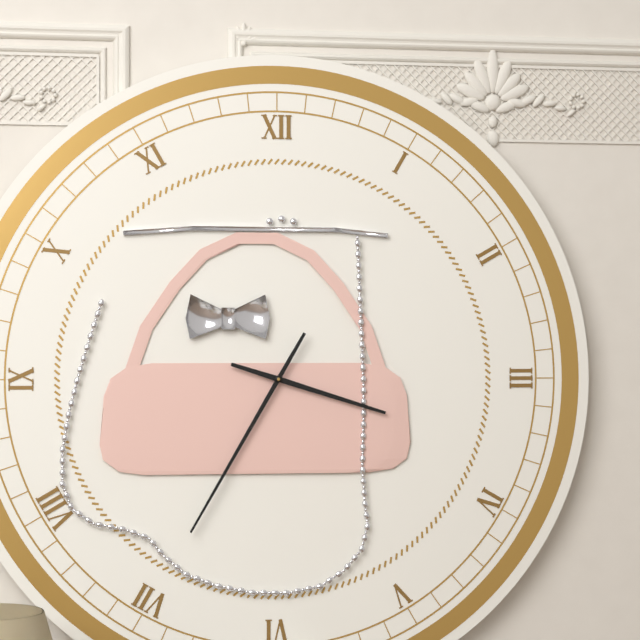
{"hour": 3, "minute": 35}
